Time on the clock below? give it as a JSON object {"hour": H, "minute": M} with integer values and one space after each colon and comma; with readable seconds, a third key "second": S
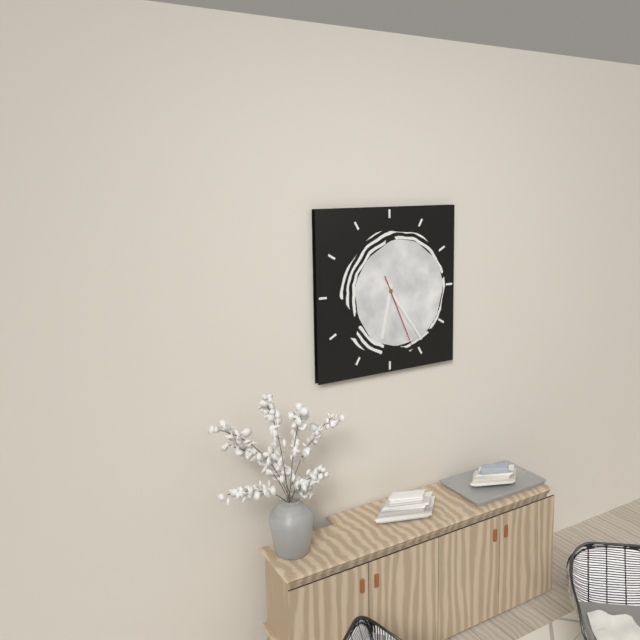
{"hour": 6, "minute": 24, "second": 26}
